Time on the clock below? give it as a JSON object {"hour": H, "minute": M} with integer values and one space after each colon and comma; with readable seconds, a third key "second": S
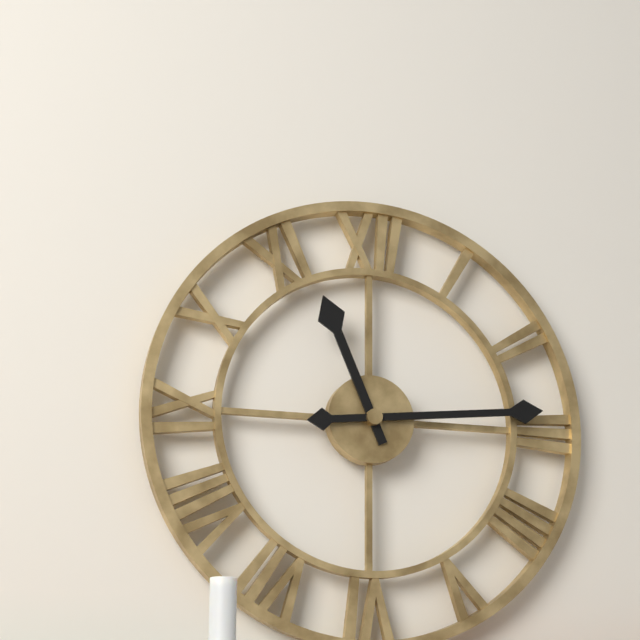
{"hour": 11, "minute": 14}
